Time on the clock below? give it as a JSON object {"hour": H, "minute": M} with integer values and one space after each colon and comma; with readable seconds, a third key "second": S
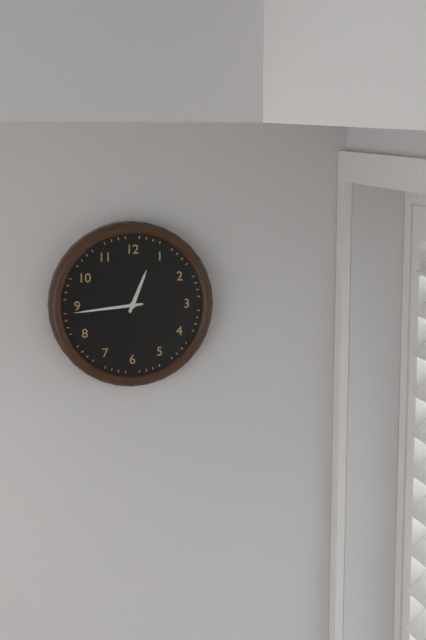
{"hour": 12, "minute": 44}
